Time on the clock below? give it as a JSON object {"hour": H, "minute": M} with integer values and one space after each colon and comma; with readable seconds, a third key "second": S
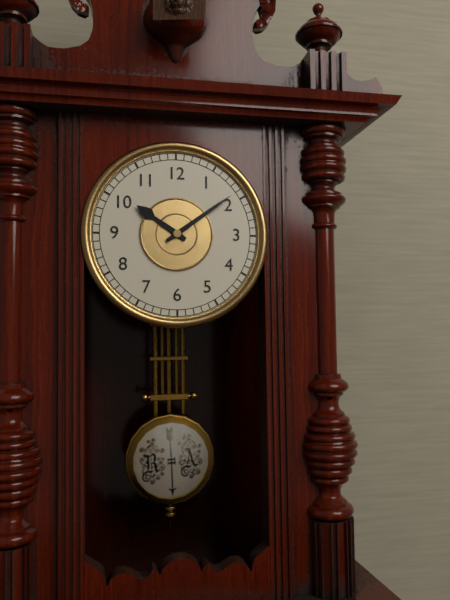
{"hour": 10, "minute": 9}
